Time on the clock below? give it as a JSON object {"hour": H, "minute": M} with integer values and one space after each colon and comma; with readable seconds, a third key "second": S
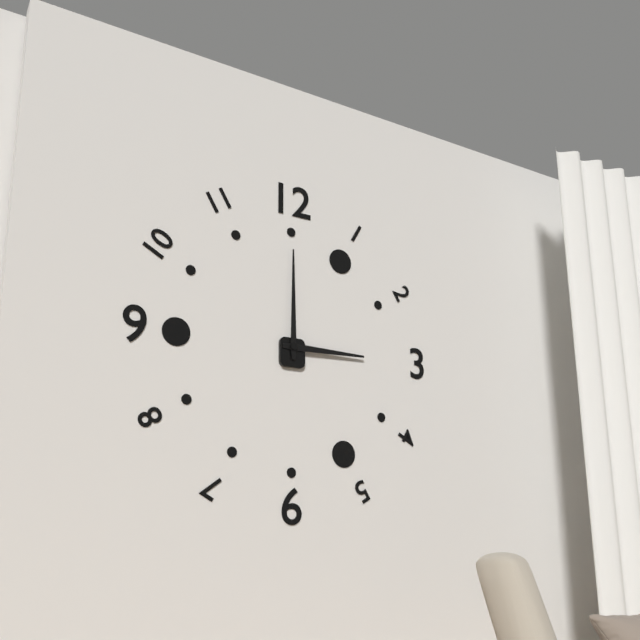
{"hour": 3, "minute": 0}
